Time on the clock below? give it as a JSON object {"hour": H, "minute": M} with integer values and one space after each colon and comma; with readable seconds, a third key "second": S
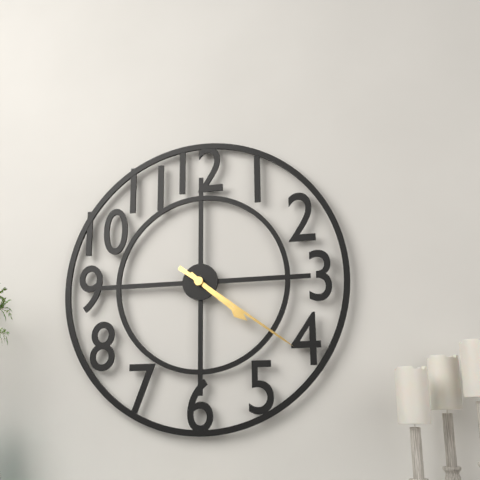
{"hour": 4, "minute": 21}
